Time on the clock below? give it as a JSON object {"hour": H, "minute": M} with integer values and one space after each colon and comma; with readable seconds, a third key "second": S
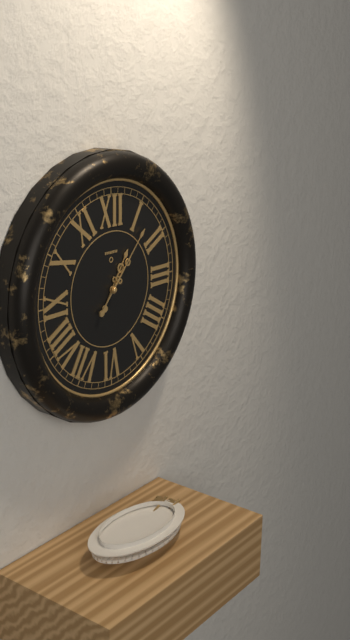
{"hour": 1, "minute": 7}
